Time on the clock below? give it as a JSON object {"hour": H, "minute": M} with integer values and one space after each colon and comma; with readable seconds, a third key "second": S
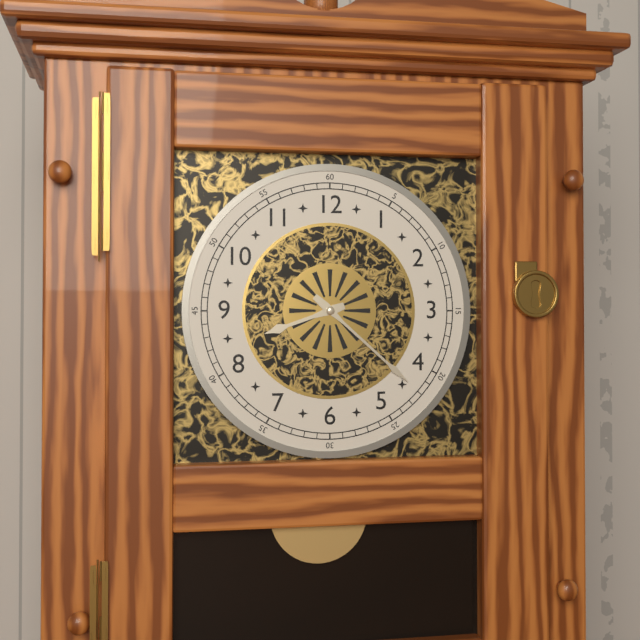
{"hour": 8, "minute": 22}
